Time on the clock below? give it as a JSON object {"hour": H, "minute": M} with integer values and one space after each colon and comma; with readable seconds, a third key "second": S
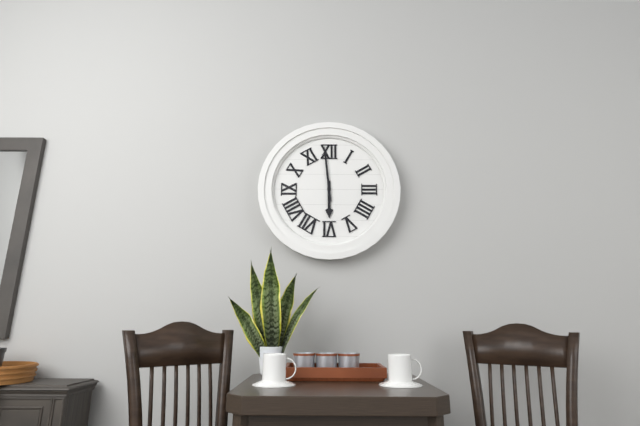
{"hour": 5, "minute": 59}
